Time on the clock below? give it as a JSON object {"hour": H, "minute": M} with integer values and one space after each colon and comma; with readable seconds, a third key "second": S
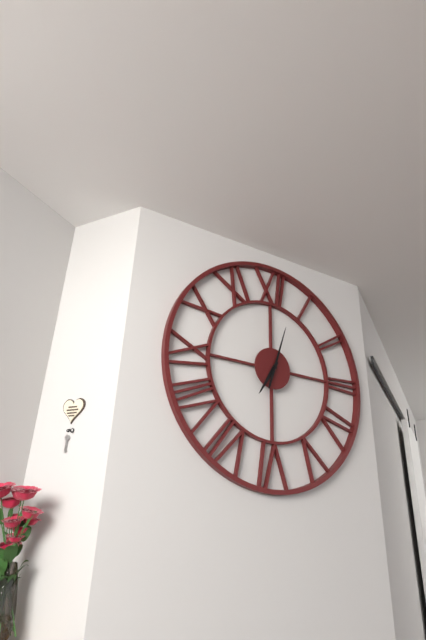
{"hour": 7, "minute": 3}
